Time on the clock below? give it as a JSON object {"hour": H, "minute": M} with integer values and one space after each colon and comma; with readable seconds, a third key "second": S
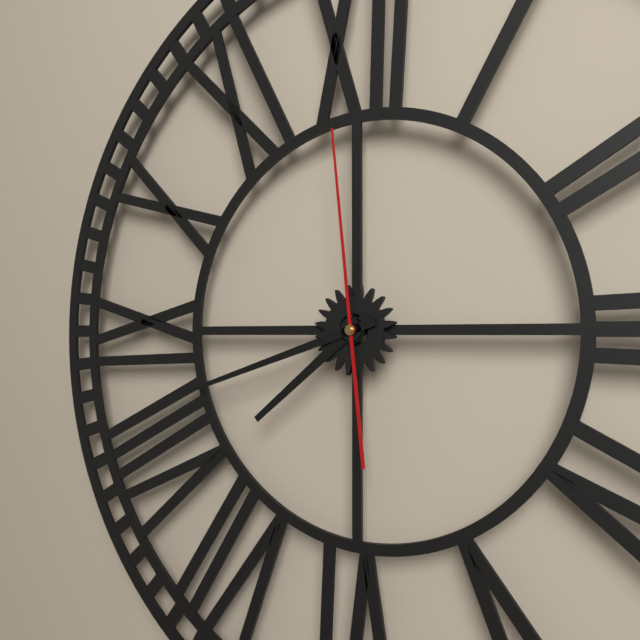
{"hour": 7, "minute": 42, "second": 59}
